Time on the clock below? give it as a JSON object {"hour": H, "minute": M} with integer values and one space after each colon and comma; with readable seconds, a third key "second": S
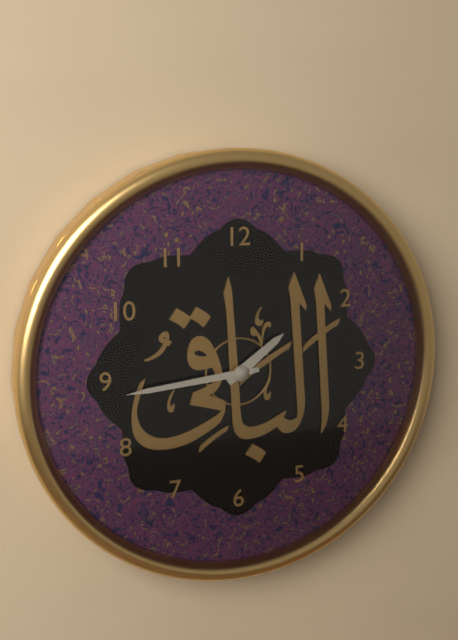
{"hour": 1, "minute": 44}
